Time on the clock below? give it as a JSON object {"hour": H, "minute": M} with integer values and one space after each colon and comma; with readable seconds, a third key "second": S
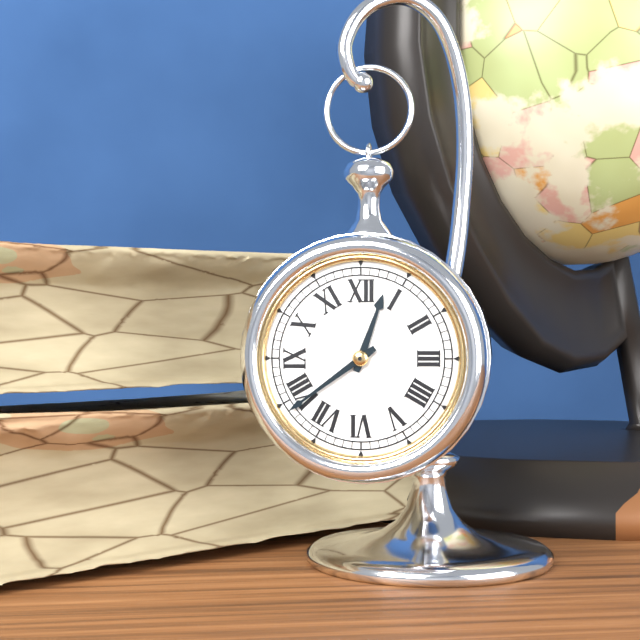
{"hour": 12, "minute": 39}
